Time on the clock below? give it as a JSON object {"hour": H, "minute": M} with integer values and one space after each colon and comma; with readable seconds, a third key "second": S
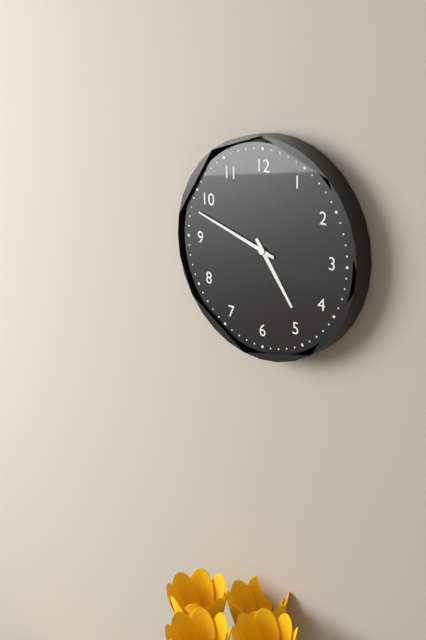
{"hour": 4, "minute": 48}
